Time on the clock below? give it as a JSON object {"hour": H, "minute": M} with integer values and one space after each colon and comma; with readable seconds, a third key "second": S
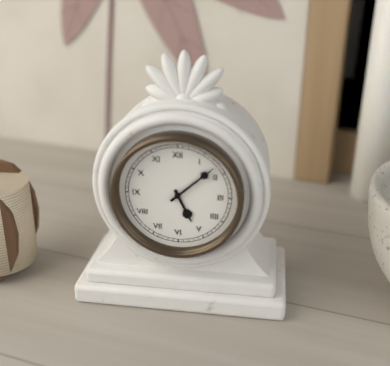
{"hour": 5, "minute": 8}
